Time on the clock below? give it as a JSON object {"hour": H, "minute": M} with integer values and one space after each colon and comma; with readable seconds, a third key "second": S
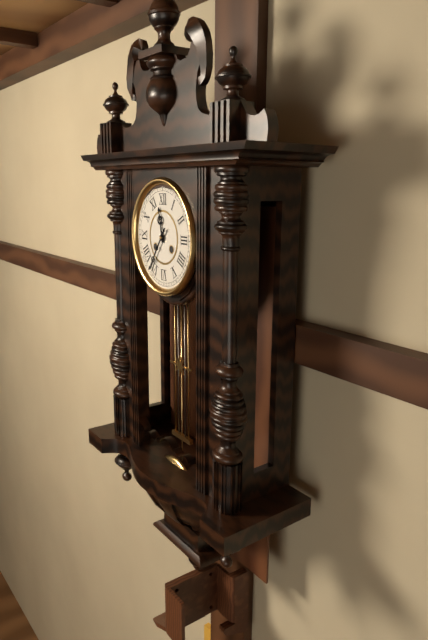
{"hour": 11, "minute": 36}
